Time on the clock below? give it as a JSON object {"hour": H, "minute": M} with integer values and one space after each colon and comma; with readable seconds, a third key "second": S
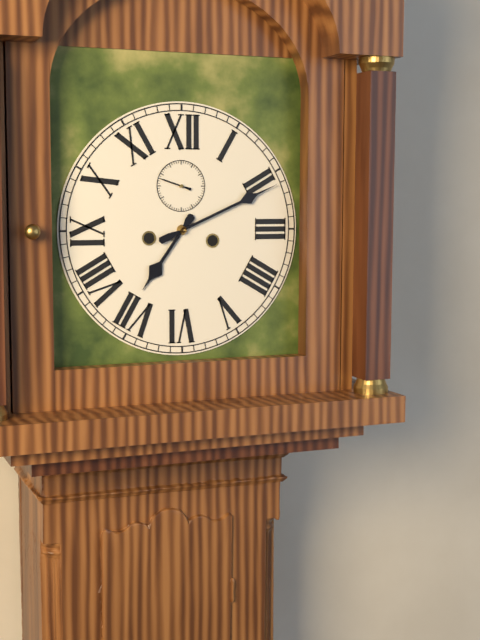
{"hour": 7, "minute": 11}
